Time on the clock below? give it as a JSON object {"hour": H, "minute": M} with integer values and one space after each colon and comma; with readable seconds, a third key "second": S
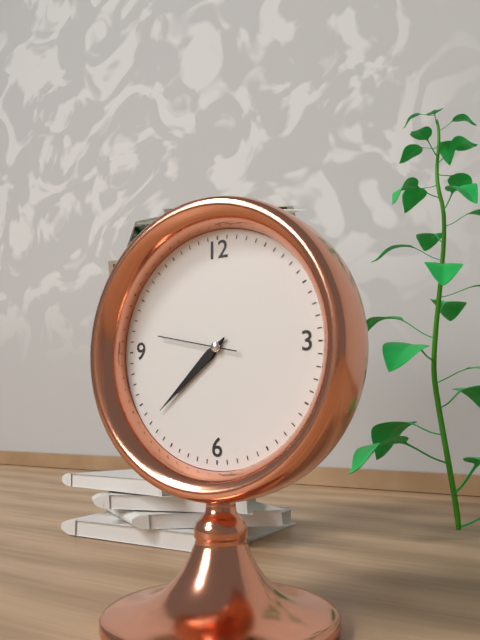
{"hour": 7, "minute": 38, "second": 47}
